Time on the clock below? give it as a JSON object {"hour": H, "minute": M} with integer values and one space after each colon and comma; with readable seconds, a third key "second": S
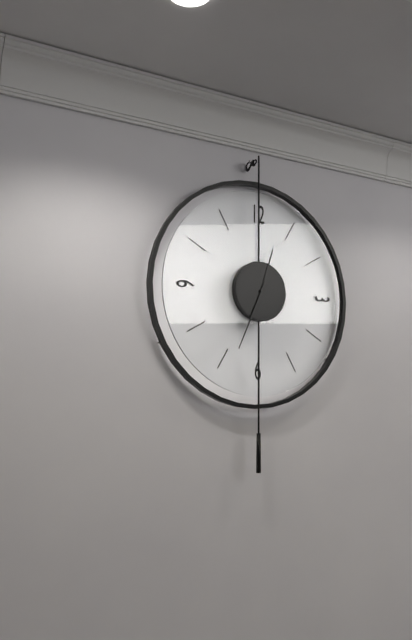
{"hour": 12, "minute": 34}
